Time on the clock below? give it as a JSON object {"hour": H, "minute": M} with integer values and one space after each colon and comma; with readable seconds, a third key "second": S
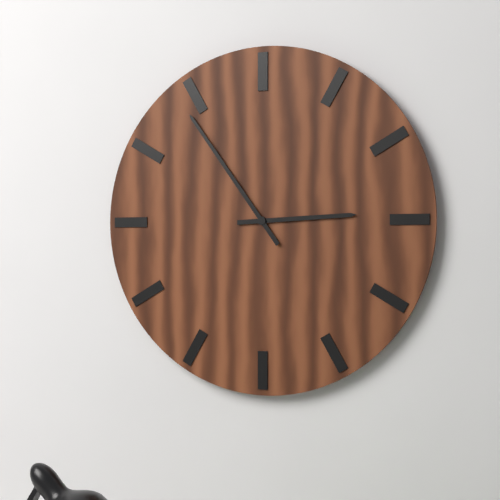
{"hour": 2, "minute": 54}
